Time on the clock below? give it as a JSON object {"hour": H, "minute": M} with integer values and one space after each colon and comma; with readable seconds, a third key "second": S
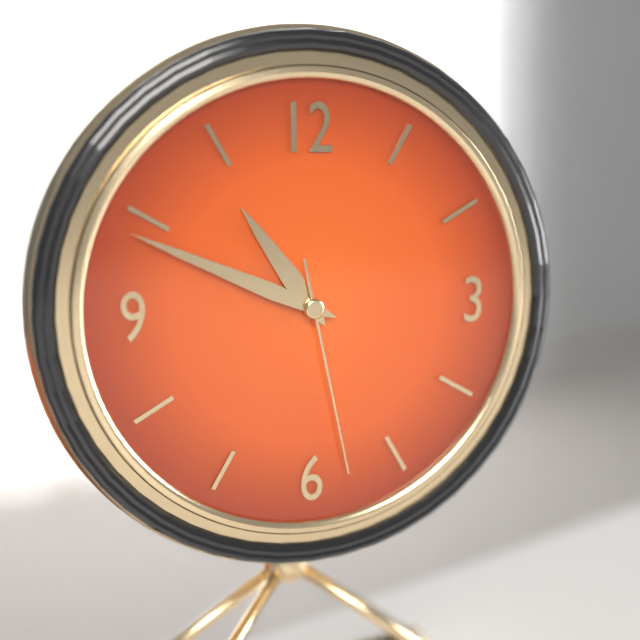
{"hour": 10, "minute": 49, "second": 28}
